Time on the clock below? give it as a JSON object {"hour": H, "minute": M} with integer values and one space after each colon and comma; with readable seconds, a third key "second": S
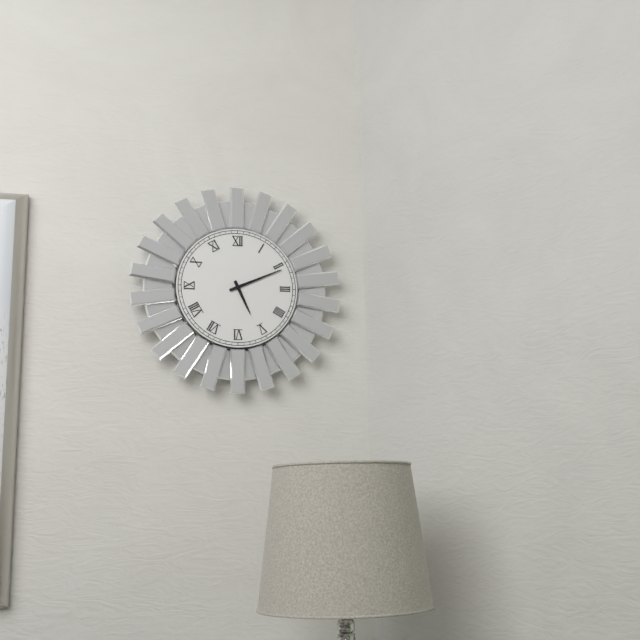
{"hour": 5, "minute": 11}
